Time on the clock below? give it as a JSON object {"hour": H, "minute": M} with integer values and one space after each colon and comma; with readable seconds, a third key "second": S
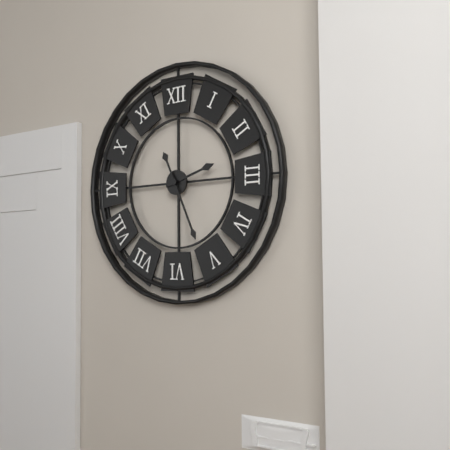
{"hour": 2, "minute": 26}
